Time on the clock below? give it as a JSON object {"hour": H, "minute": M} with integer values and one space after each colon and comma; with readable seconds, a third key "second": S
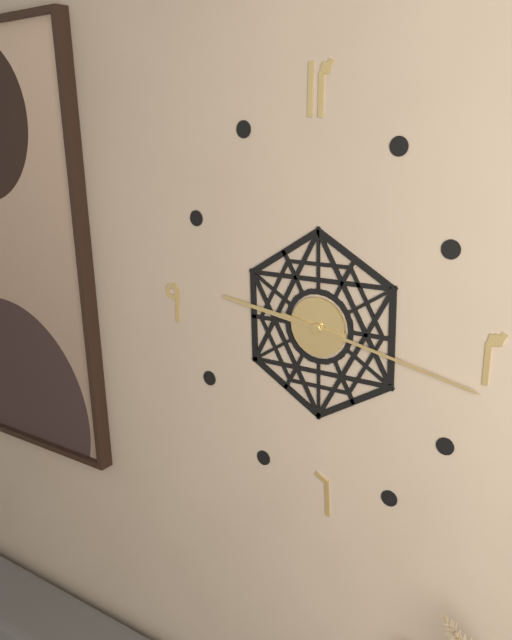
{"hour": 9, "minute": 17}
